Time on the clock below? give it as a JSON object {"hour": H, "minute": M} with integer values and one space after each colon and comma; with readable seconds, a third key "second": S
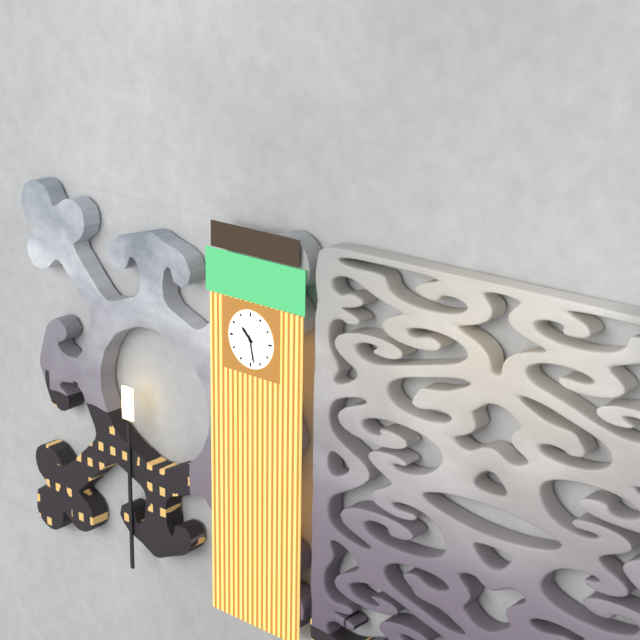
{"hour": 10, "minute": 28}
